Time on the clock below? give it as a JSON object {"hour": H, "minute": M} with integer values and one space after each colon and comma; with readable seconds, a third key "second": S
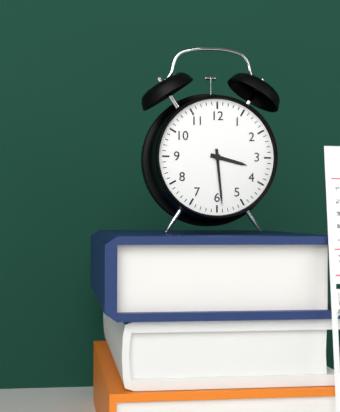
{"hour": 3, "minute": 29}
